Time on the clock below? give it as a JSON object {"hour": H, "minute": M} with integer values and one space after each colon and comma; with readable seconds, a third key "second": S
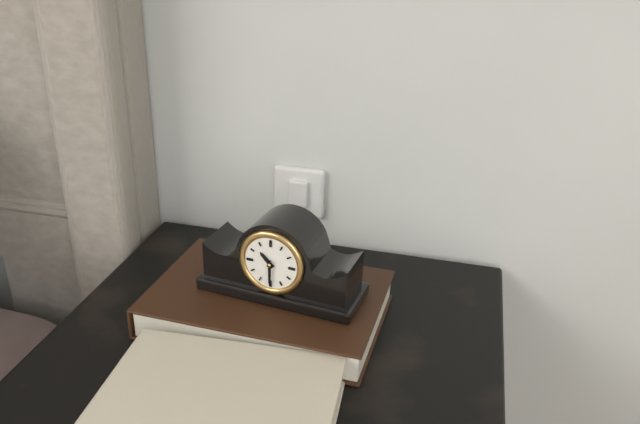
{"hour": 10, "minute": 30}
